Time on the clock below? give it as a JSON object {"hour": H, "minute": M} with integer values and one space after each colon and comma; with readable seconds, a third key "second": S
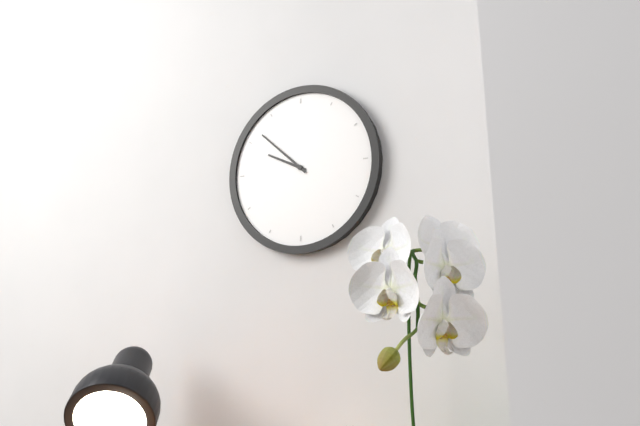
{"hour": 9, "minute": 52}
